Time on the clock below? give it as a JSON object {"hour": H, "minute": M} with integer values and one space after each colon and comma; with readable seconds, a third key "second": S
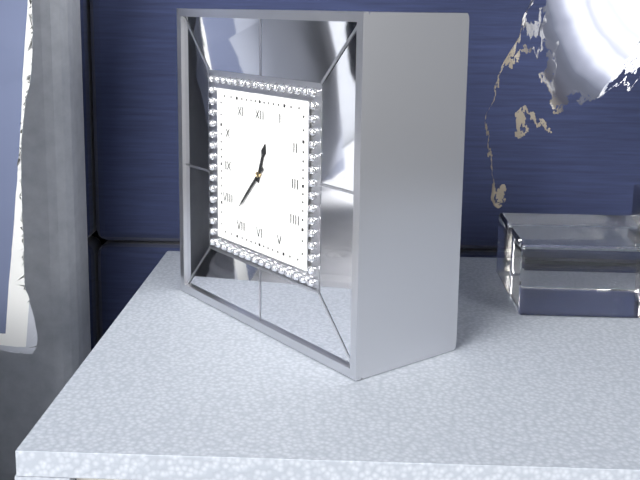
{"hour": 12, "minute": 37}
